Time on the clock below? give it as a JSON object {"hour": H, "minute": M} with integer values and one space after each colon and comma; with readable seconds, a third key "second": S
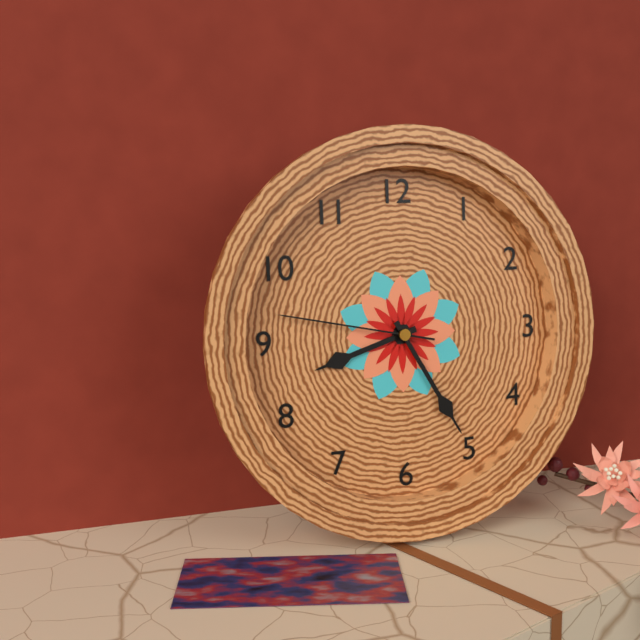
{"hour": 8, "minute": 25, "second": 47}
